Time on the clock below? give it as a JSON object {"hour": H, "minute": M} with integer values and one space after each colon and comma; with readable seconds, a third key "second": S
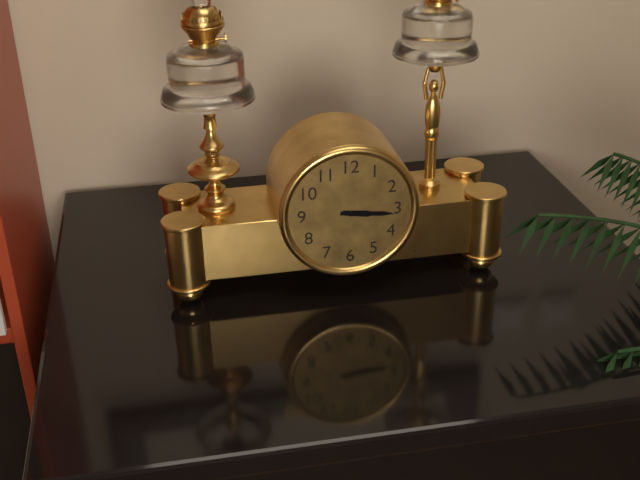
{"hour": 3, "minute": 16}
